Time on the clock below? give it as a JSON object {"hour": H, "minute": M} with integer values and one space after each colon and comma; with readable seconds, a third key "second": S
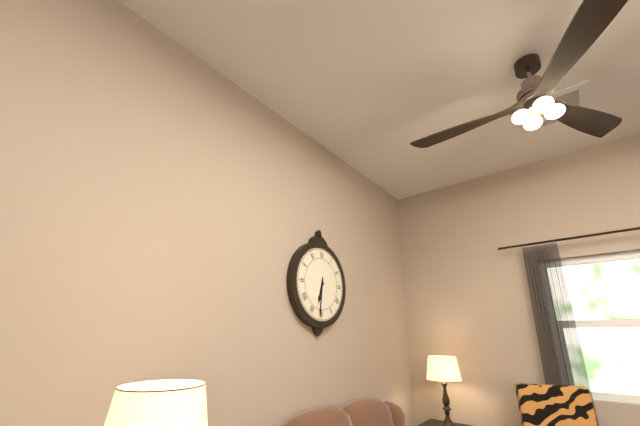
{"hour": 6, "minute": 31}
